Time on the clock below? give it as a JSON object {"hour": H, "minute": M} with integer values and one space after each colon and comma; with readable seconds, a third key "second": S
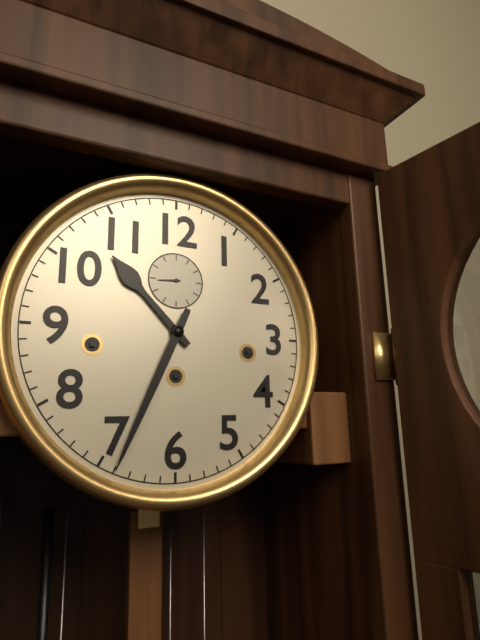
{"hour": 10, "minute": 34}
